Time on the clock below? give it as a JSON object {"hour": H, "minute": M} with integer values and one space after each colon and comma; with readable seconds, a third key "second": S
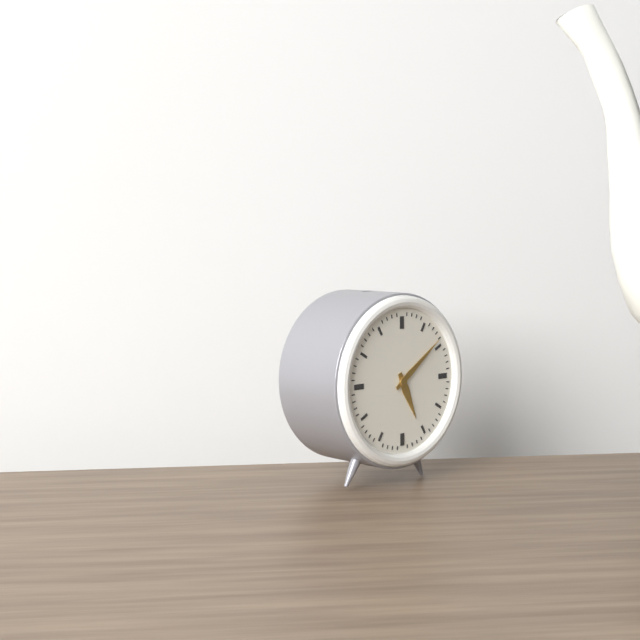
{"hour": 5, "minute": 9}
